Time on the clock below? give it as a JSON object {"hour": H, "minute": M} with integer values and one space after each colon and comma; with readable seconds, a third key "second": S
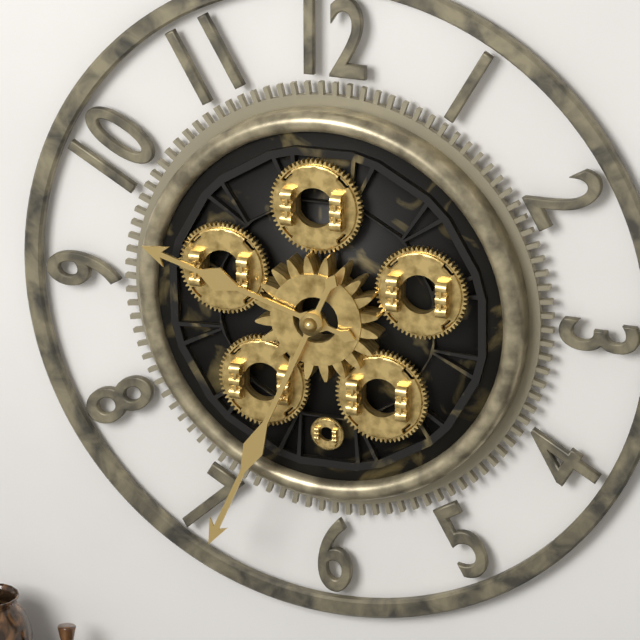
{"hour": 9, "minute": 34}
